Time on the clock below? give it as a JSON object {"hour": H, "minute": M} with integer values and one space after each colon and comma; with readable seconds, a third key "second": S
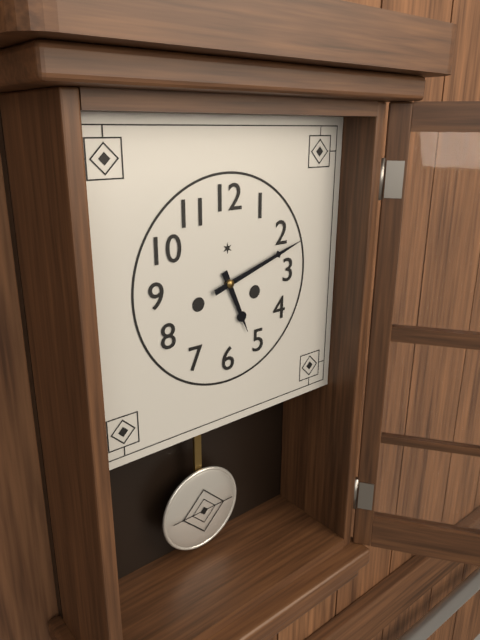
{"hour": 5, "minute": 12}
